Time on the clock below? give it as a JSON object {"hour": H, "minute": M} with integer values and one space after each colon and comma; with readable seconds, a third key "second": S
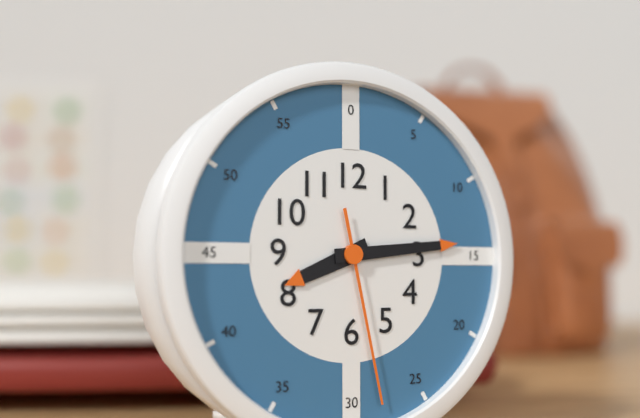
{"hour": 8, "minute": 14, "second": 28}
